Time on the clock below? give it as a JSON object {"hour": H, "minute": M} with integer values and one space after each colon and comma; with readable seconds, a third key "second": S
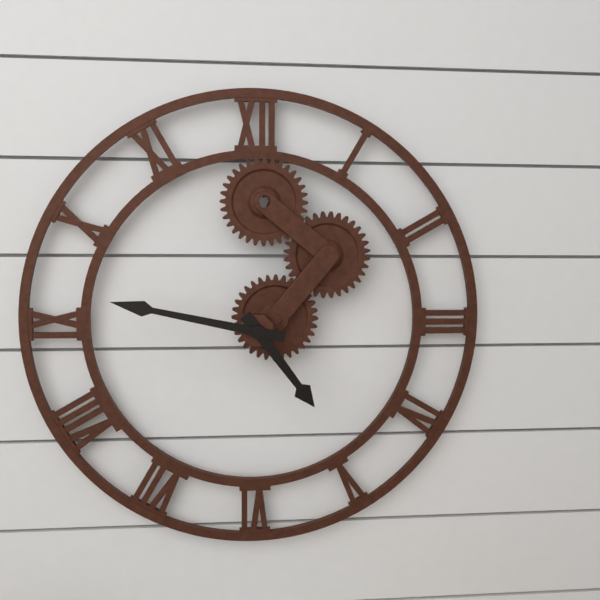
{"hour": 4, "minute": 47}
